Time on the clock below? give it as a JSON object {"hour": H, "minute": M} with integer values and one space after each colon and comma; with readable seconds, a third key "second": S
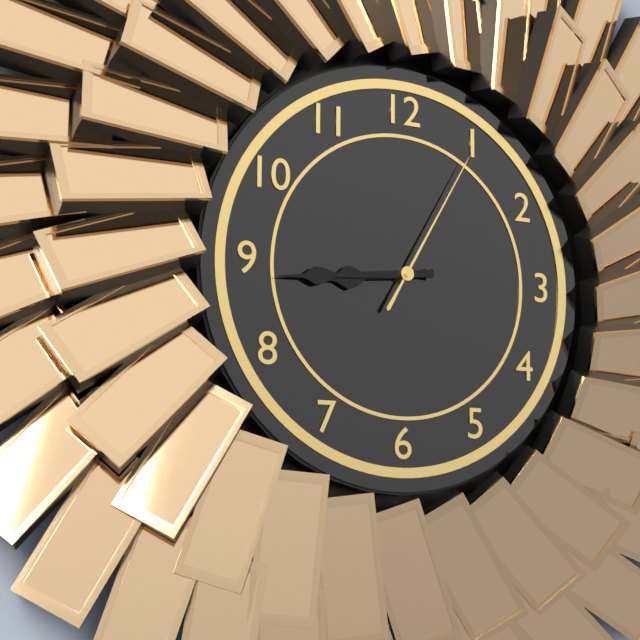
{"hour": 8, "minute": 44, "second": 5}
